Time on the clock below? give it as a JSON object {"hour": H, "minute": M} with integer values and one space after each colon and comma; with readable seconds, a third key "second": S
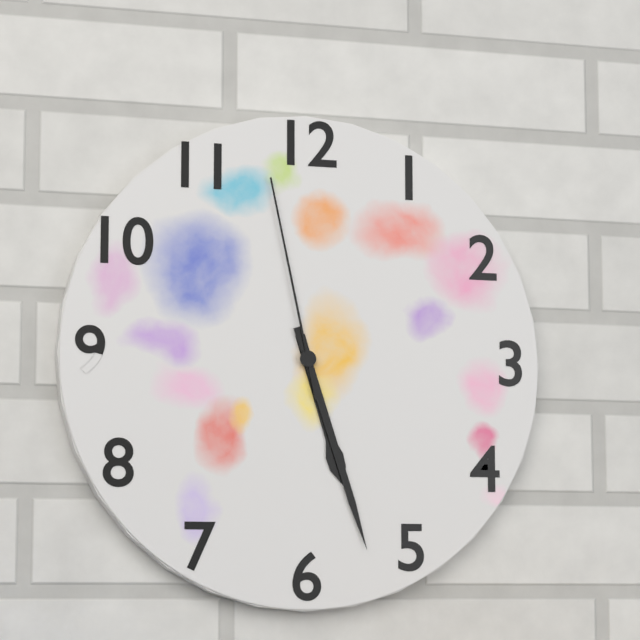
{"hour": 5, "minute": 27, "second": 58}
